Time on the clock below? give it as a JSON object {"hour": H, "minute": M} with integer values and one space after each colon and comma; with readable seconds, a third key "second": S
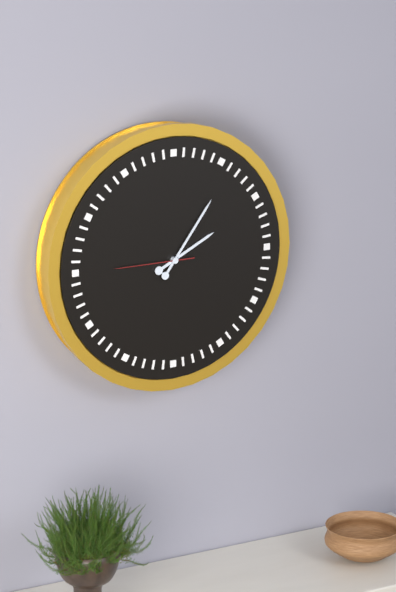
{"hour": 2, "minute": 6, "second": 45}
